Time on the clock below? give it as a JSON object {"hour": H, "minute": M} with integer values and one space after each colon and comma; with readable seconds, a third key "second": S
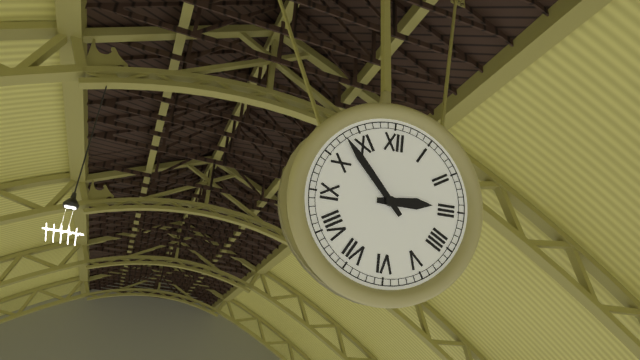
{"hour": 2, "minute": 53}
